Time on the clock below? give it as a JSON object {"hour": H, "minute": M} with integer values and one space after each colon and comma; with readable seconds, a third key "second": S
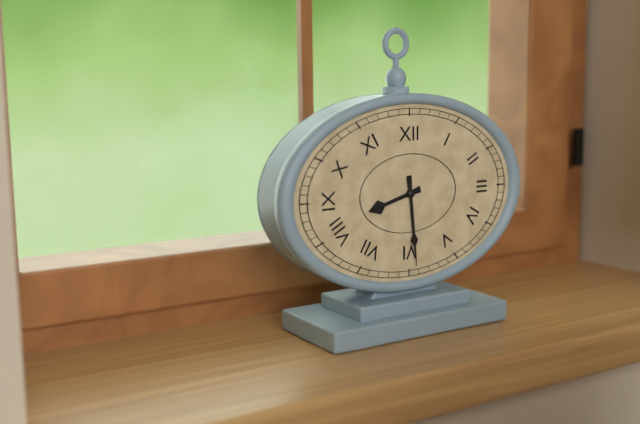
{"hour": 8, "minute": 29}
